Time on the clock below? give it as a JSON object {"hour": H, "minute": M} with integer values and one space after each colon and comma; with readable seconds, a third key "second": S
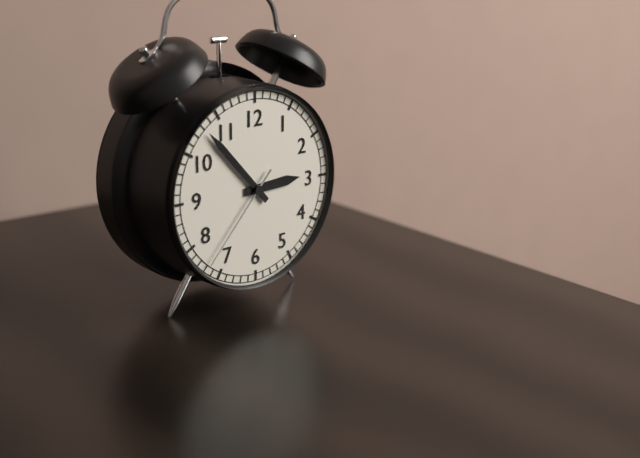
{"hour": 2, "minute": 53, "second": 37}
